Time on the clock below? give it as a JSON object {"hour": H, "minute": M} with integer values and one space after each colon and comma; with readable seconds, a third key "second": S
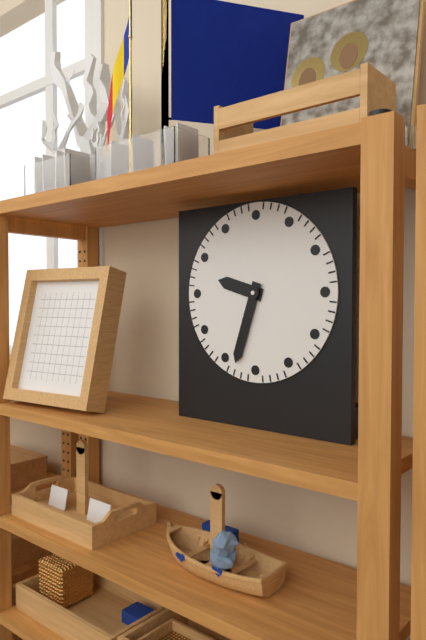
{"hour": 9, "minute": 33}
